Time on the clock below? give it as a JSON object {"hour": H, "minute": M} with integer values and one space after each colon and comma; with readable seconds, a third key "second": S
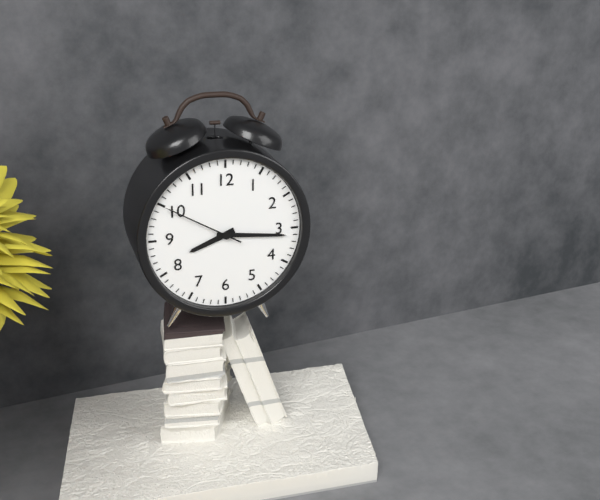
{"hour": 8, "minute": 16, "second": 50}
